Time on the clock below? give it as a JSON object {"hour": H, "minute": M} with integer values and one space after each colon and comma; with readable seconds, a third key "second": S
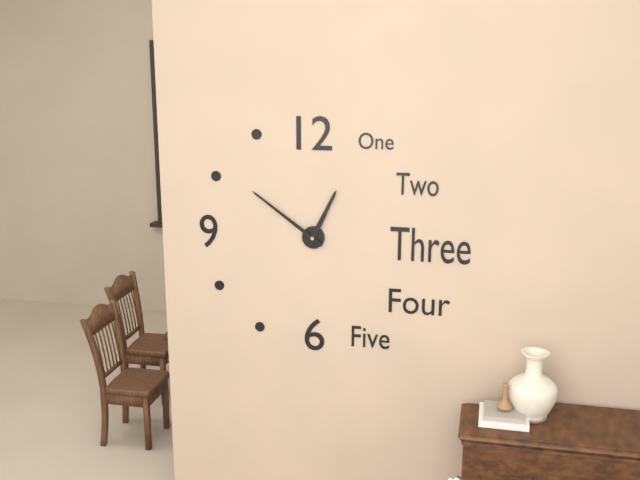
{"hour": 12, "minute": 51}
